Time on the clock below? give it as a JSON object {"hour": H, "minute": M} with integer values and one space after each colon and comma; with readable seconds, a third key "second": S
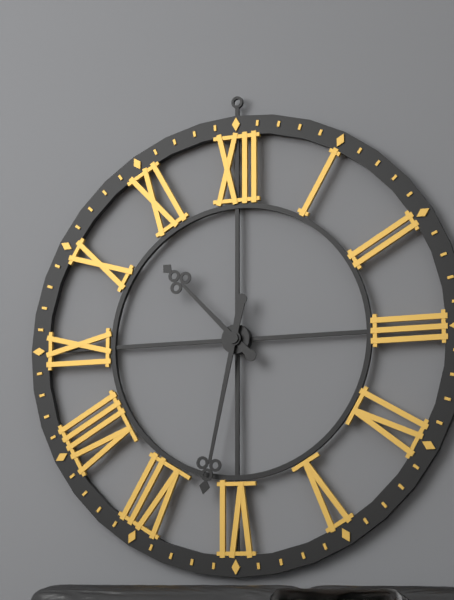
{"hour": 10, "minute": 32}
